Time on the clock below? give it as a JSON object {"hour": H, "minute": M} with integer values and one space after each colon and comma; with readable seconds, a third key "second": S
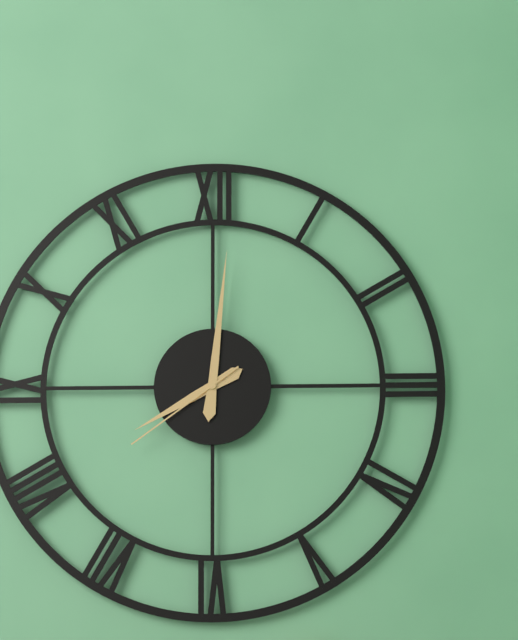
{"hour": 8, "minute": 1, "second": 39}
